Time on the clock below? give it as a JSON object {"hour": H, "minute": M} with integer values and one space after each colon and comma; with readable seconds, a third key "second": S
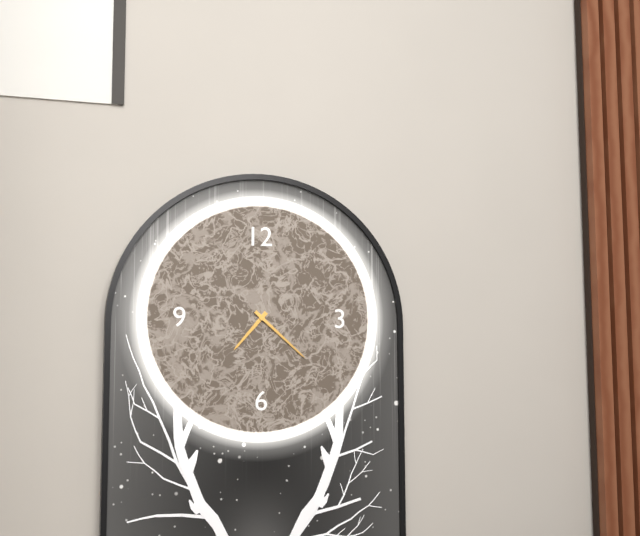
{"hour": 7, "minute": 22}
